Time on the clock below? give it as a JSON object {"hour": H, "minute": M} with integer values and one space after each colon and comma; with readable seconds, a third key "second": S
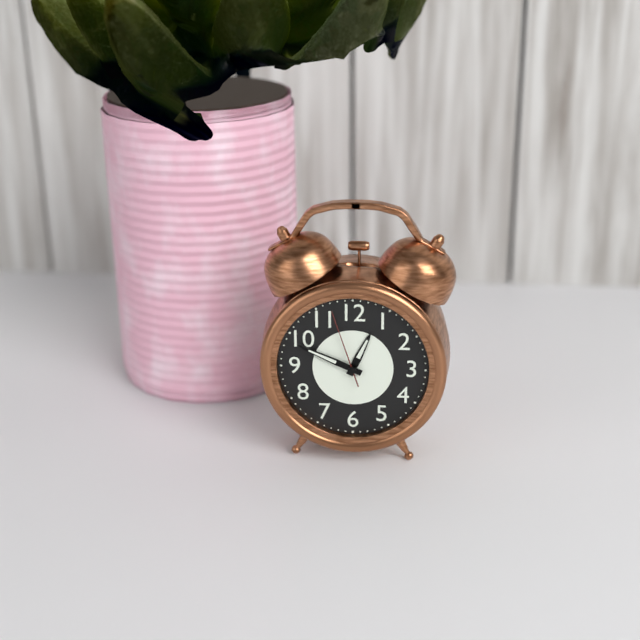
{"hour": 12, "minute": 49, "second": 57}
